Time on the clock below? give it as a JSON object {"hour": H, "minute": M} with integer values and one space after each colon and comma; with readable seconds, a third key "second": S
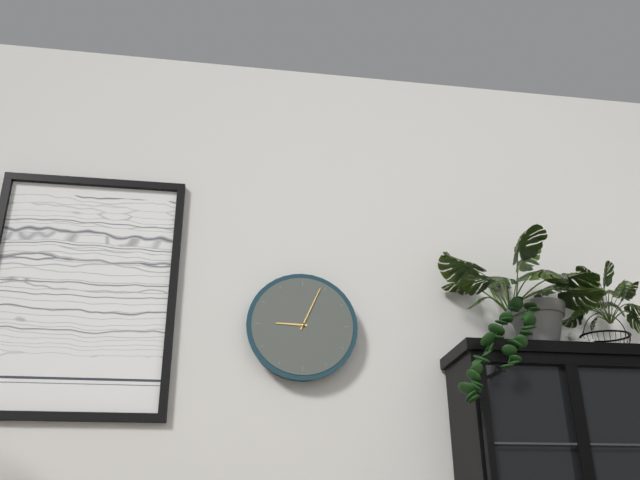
{"hour": 9, "minute": 4}
